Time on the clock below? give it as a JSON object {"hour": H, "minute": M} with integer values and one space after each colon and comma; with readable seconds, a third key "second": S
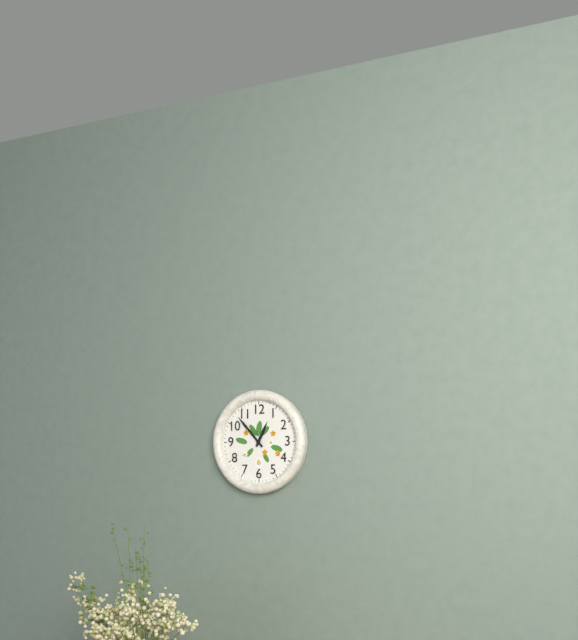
{"hour": 12, "minute": 53}
